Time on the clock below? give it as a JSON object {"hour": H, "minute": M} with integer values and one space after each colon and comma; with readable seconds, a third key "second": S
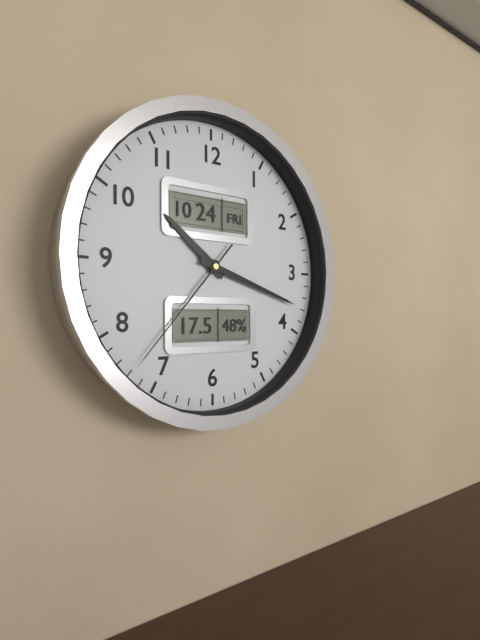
{"hour": 10, "minute": 18, "second": 37}
